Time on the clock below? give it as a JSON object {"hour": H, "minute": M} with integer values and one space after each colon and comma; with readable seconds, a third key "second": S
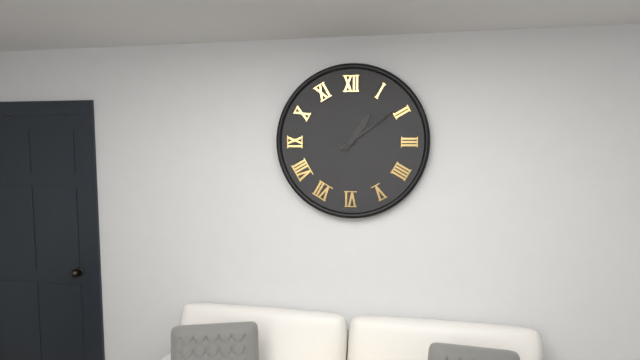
{"hour": 1, "minute": 9}
